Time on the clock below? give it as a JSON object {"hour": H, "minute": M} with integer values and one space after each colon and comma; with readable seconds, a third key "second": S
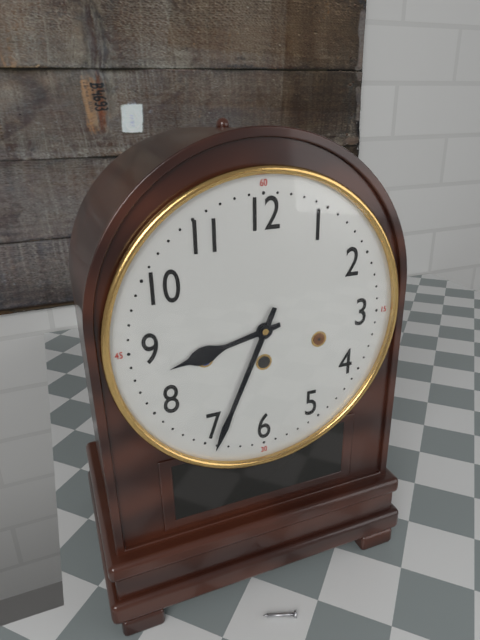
{"hour": 8, "minute": 34}
